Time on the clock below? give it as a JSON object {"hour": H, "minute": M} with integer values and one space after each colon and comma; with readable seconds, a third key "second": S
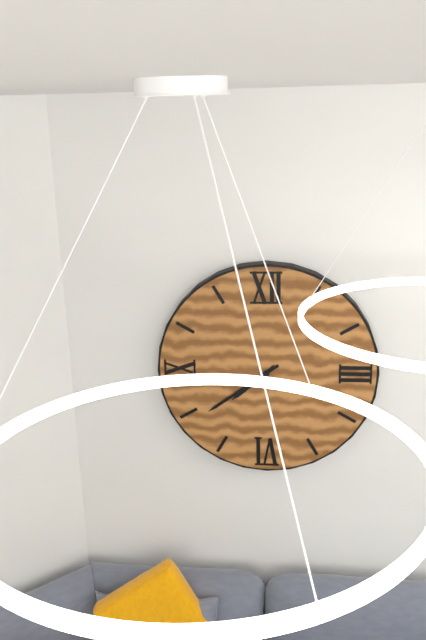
{"hour": 7, "minute": 39}
